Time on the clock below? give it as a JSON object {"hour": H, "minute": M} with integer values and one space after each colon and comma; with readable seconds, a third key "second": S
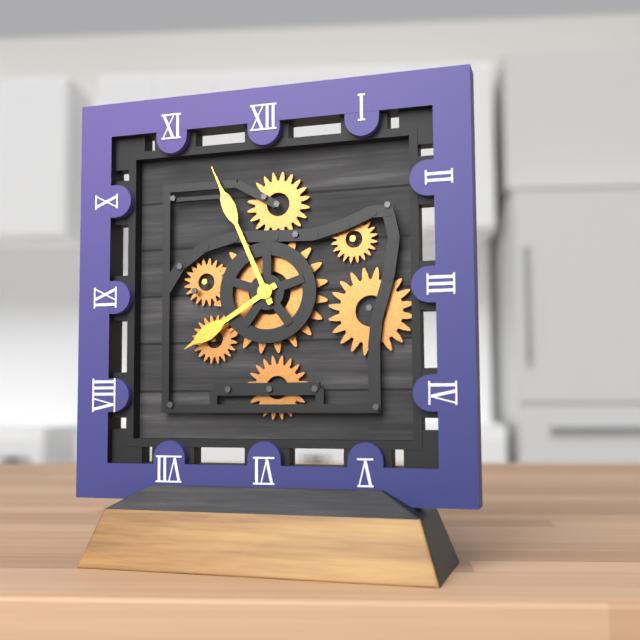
{"hour": 7, "minute": 56}
